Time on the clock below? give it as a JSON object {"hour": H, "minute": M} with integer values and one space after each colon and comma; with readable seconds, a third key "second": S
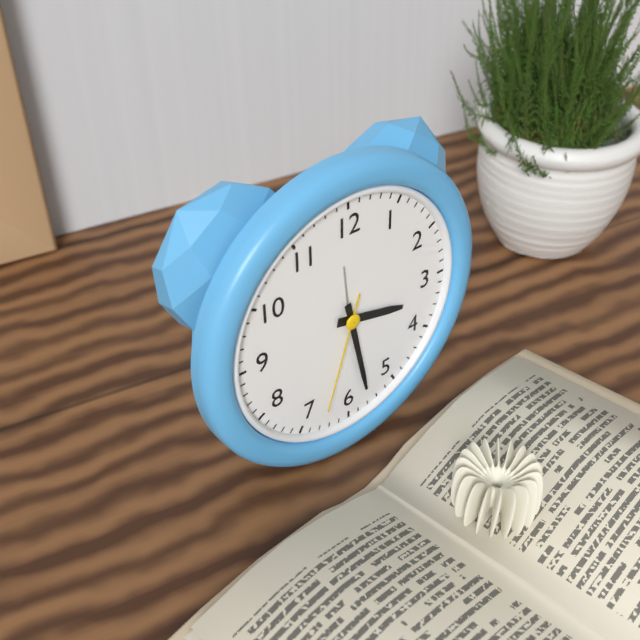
{"hour": 3, "minute": 28, "second": 33}
